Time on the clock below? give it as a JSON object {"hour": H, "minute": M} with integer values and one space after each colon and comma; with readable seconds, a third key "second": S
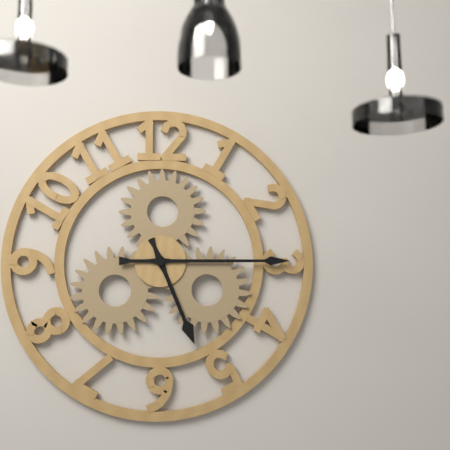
{"hour": 5, "minute": 15}
